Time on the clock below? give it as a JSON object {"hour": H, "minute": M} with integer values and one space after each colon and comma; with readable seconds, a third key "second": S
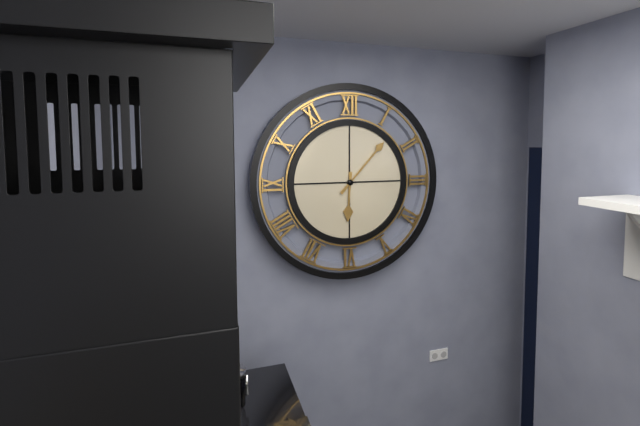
{"hour": 6, "minute": 7}
